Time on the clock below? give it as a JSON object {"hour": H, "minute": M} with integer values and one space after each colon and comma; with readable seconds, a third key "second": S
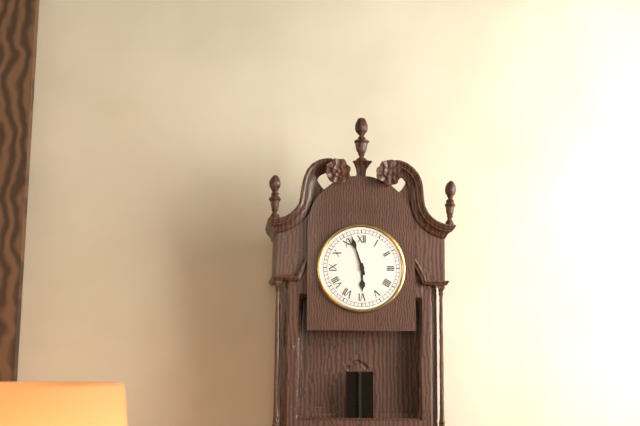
{"hour": 5, "minute": 57}
